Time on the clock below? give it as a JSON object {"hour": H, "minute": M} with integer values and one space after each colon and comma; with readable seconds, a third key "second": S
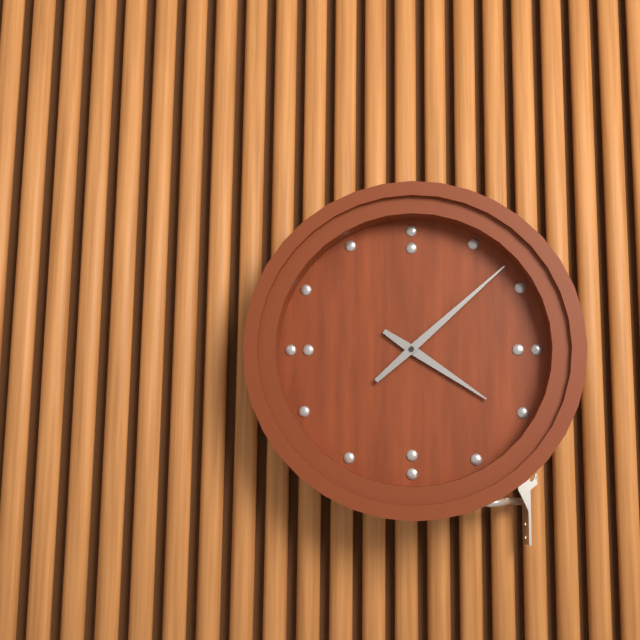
{"hour": 4, "minute": 8}
